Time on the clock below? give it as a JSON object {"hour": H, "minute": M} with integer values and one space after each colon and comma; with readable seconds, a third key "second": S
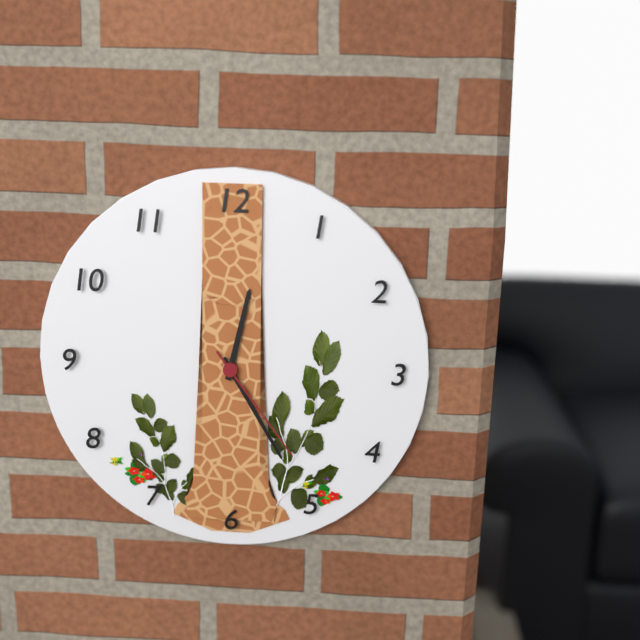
{"hour": 12, "minute": 25, "second": 24}
